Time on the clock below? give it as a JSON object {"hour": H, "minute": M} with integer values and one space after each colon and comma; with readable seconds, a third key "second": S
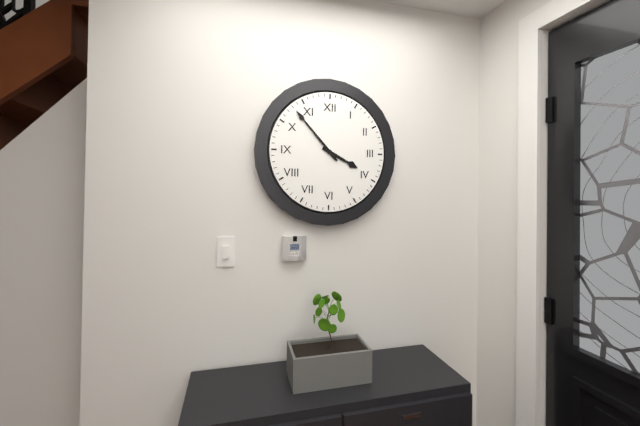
{"hour": 3, "minute": 53}
